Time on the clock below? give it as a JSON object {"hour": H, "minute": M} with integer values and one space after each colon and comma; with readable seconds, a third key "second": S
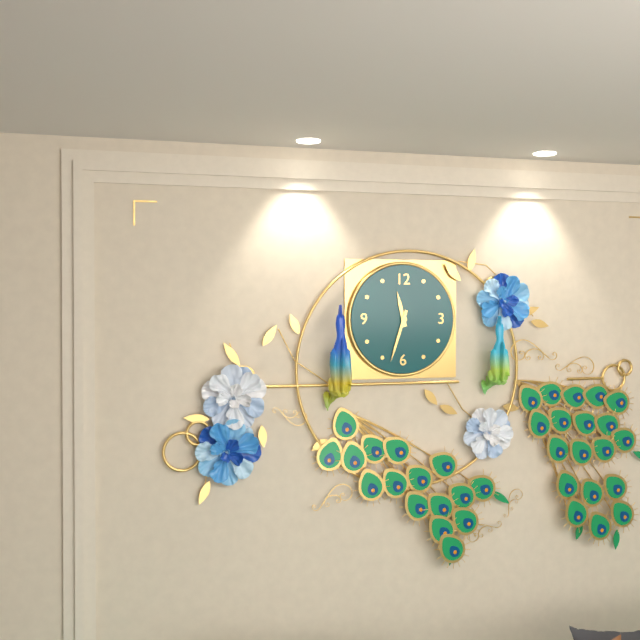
{"hour": 11, "minute": 33}
